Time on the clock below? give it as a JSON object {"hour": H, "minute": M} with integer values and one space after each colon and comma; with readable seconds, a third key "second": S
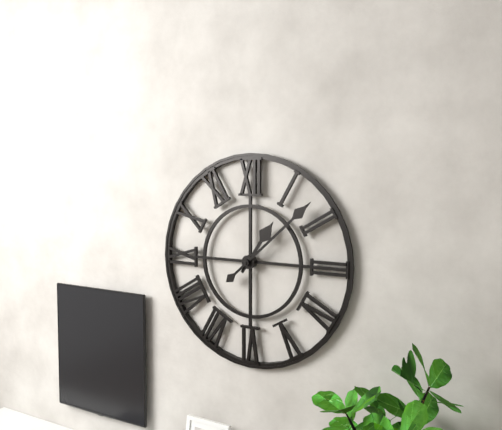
{"hour": 1, "minute": 8}
